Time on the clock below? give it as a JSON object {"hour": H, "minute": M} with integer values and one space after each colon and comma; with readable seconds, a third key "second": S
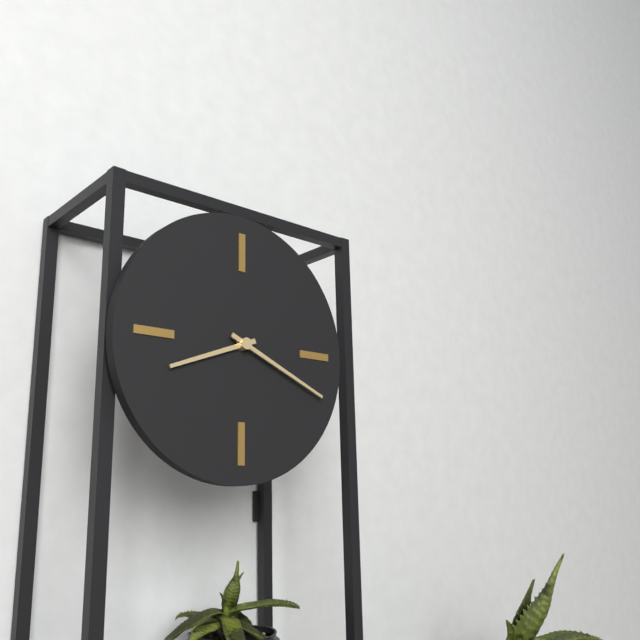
{"hour": 8, "minute": 19}
